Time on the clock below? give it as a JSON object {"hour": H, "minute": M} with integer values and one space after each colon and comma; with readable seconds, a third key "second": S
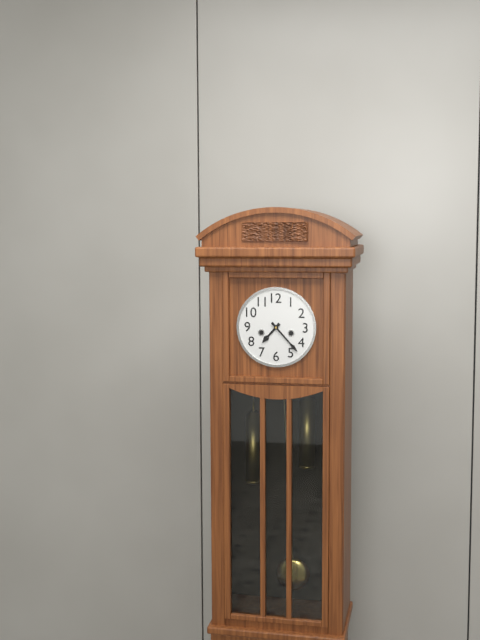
{"hour": 7, "minute": 23}
